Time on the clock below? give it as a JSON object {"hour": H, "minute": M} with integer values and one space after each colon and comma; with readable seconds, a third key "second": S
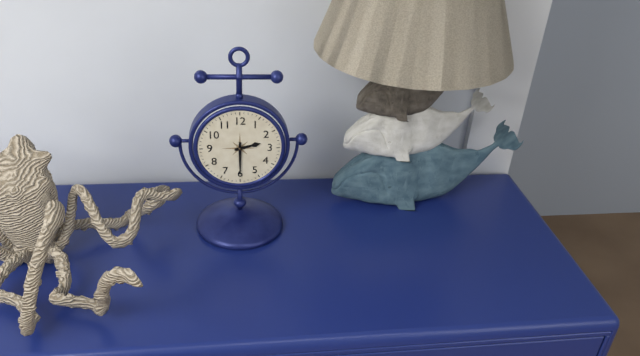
{"hour": 2, "minute": 30}
